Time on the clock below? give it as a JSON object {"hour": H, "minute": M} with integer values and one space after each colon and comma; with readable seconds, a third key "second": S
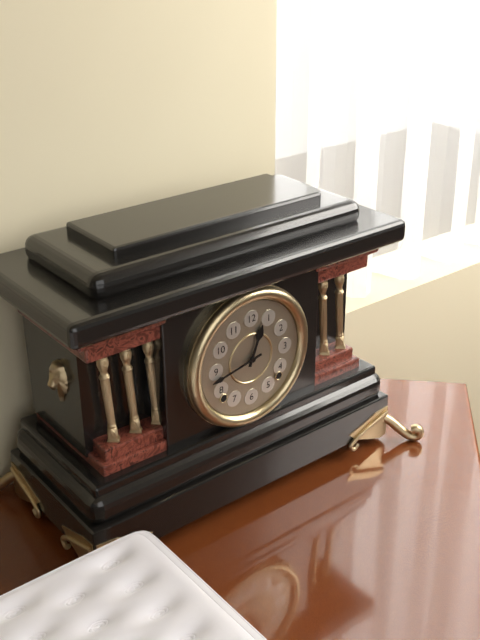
{"hour": 12, "minute": 43}
